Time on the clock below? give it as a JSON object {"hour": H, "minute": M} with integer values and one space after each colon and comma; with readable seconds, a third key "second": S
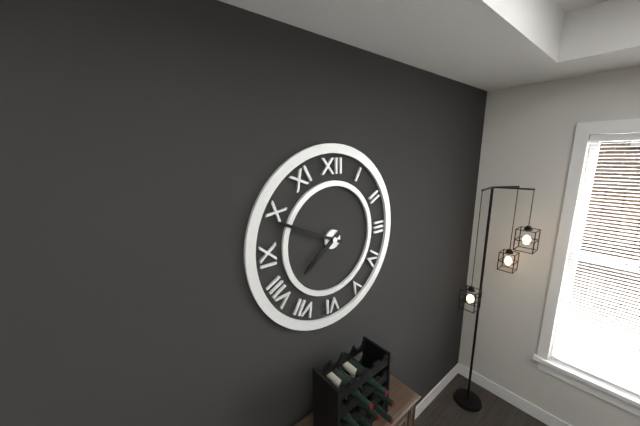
{"hour": 7, "minute": 49}
